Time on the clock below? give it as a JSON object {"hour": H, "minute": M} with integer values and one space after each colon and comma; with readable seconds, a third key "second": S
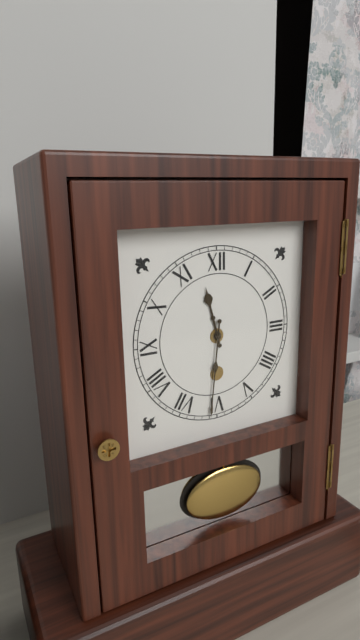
{"hour": 11, "minute": 31}
